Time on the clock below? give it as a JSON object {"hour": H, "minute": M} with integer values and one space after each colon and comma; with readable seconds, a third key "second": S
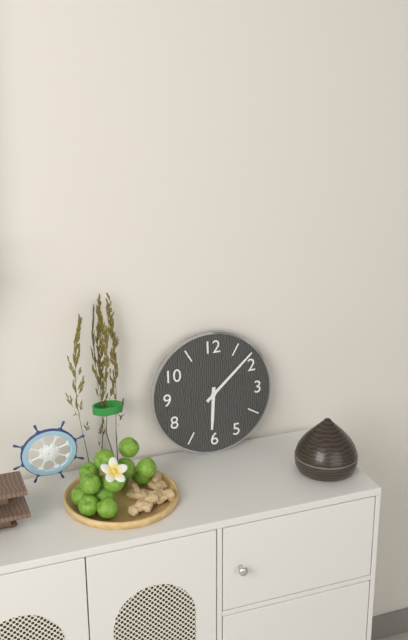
{"hour": 6, "minute": 8}
